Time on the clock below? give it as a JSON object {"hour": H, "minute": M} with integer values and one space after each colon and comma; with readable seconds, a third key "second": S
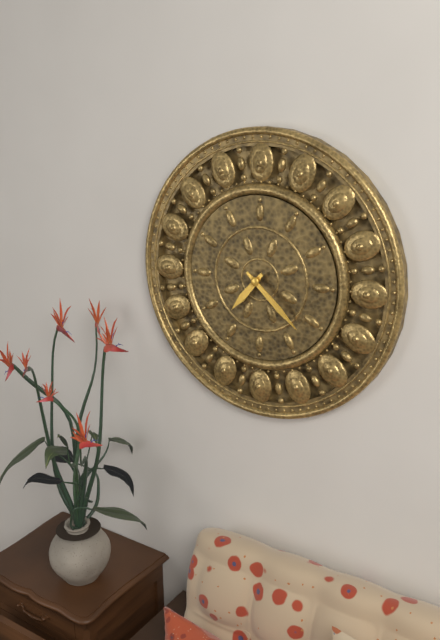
{"hour": 7, "minute": 22}
